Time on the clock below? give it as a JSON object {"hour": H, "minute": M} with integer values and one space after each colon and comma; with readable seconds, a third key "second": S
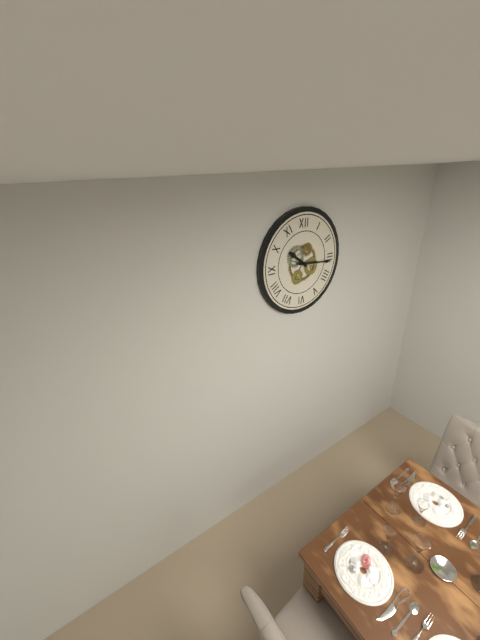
{"hour": 10, "minute": 16}
